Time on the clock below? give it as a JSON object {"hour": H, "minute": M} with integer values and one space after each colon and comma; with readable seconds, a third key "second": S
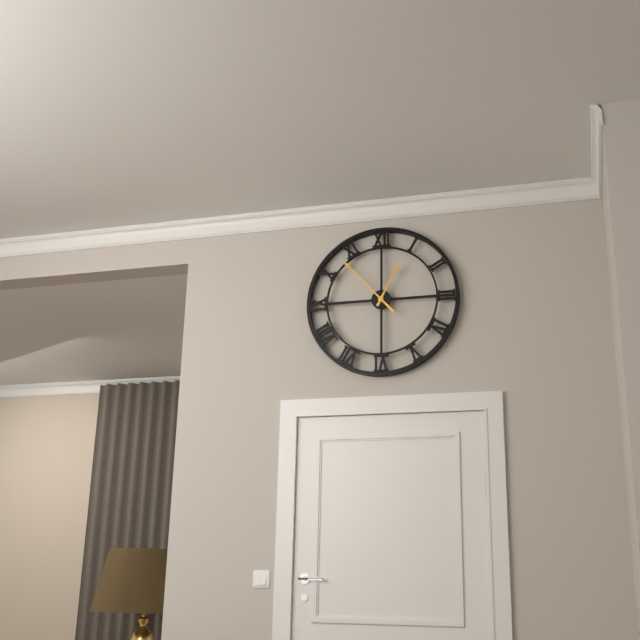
{"hour": 12, "minute": 53}
